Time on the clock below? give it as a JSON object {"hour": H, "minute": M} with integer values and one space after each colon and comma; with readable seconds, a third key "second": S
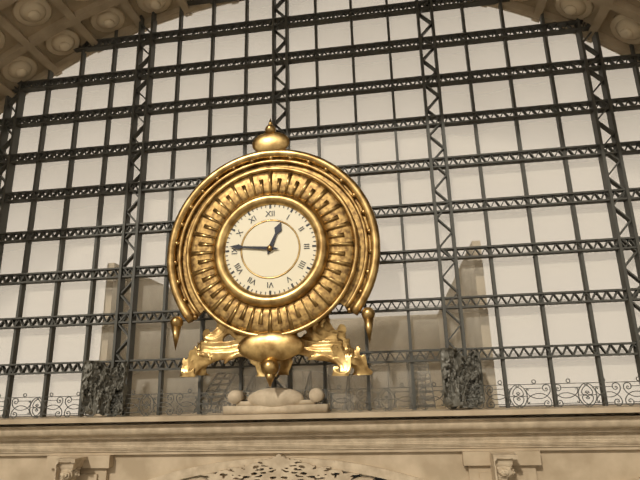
{"hour": 12, "minute": 46}
